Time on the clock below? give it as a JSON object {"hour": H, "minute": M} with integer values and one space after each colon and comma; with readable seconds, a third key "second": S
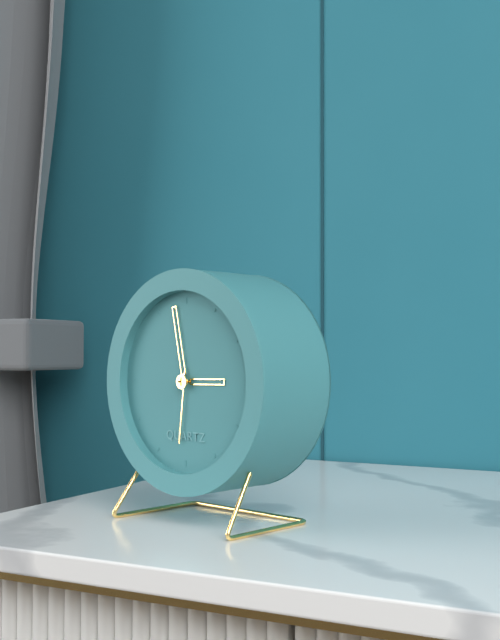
{"hour": 2, "minute": 58, "second": 31}
